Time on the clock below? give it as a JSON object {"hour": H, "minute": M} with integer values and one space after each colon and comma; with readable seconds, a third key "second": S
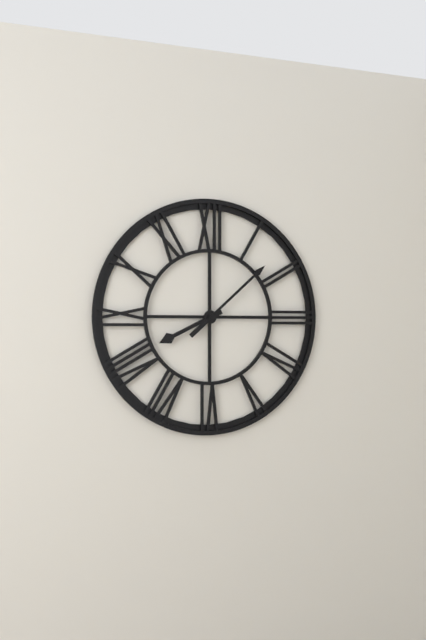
{"hour": 8, "minute": 8}
